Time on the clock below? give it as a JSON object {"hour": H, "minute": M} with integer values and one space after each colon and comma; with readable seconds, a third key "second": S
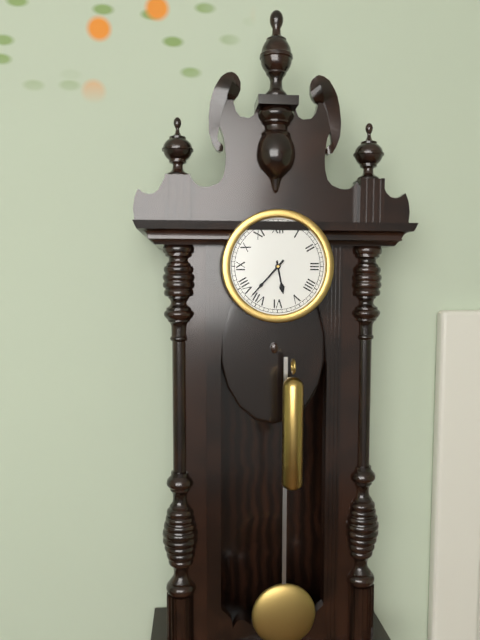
{"hour": 5, "minute": 37}
